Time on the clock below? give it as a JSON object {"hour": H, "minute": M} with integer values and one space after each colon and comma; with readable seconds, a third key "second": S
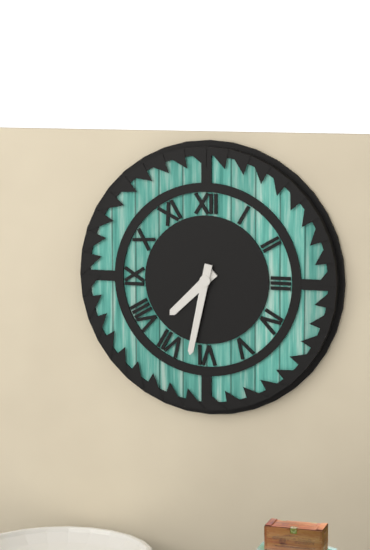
{"hour": 7, "minute": 32}
